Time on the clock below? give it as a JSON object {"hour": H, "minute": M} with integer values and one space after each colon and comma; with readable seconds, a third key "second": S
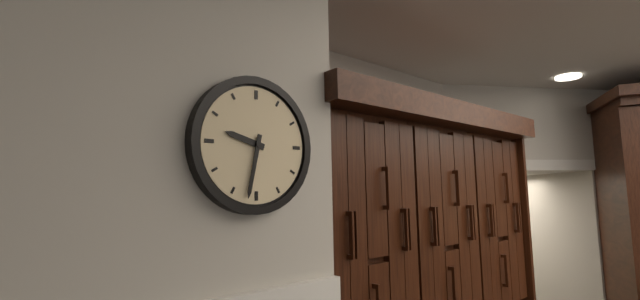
{"hour": 9, "minute": 32}
